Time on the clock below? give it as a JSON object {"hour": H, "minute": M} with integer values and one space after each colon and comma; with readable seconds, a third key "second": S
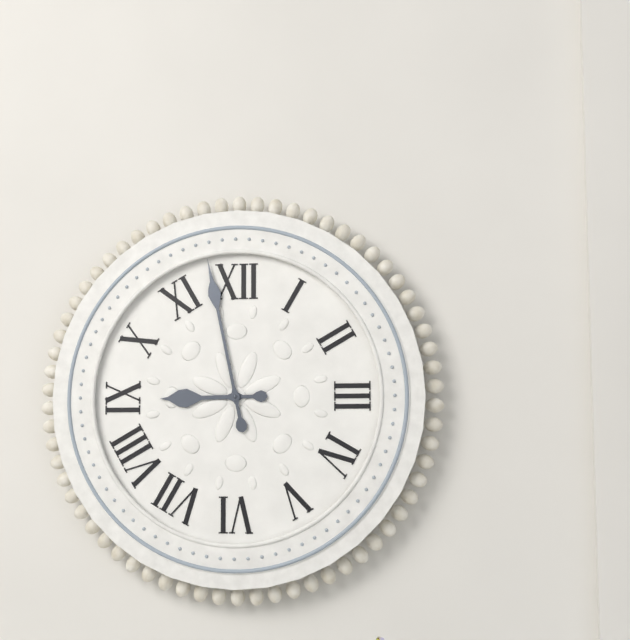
{"hour": 8, "minute": 58}
